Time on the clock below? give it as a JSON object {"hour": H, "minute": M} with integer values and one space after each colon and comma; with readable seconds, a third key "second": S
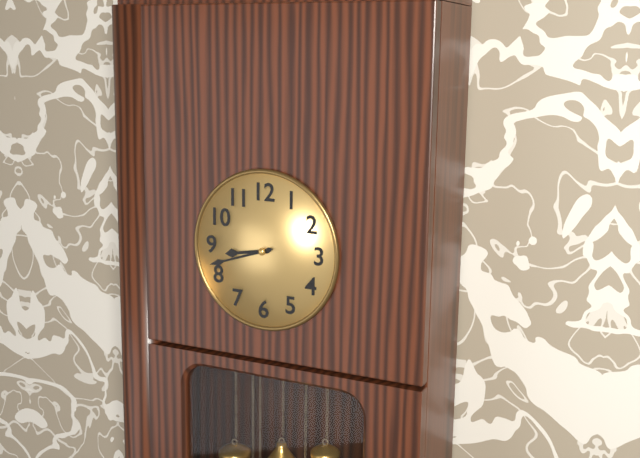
{"hour": 8, "minute": 42}
